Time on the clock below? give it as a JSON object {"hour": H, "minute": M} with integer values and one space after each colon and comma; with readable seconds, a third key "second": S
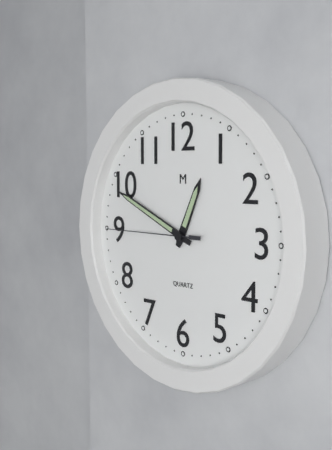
{"hour": 12, "minute": 49, "second": 45}
